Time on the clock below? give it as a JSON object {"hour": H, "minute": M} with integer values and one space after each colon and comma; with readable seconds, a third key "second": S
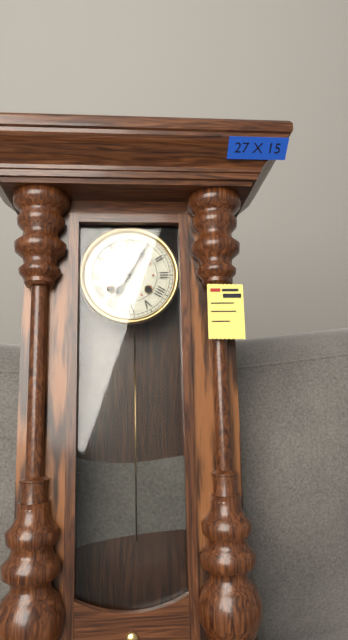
{"hour": 7, "minute": 5}
